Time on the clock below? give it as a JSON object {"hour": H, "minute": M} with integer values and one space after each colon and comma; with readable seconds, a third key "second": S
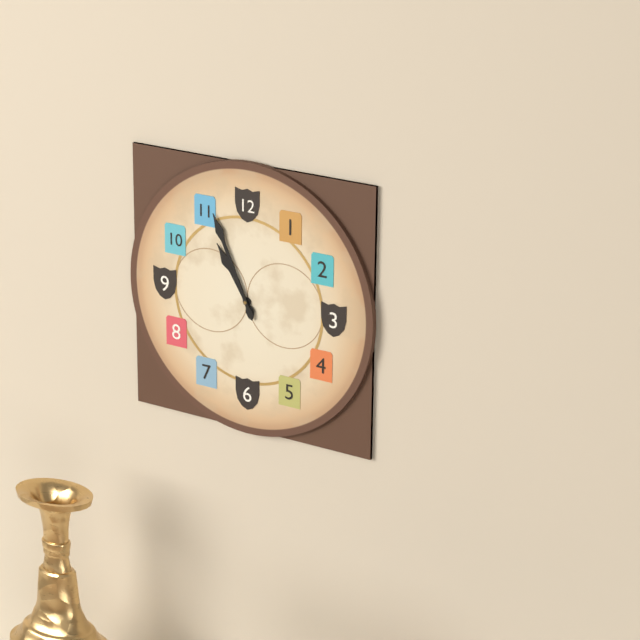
{"hour": 10, "minute": 56}
